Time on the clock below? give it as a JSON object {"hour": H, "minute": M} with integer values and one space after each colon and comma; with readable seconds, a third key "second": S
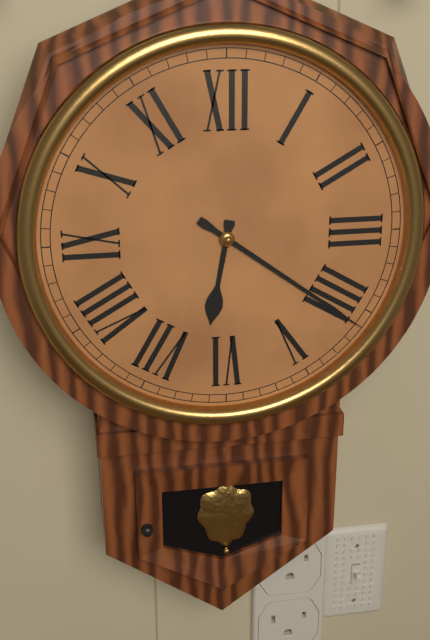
{"hour": 6, "minute": 21}
